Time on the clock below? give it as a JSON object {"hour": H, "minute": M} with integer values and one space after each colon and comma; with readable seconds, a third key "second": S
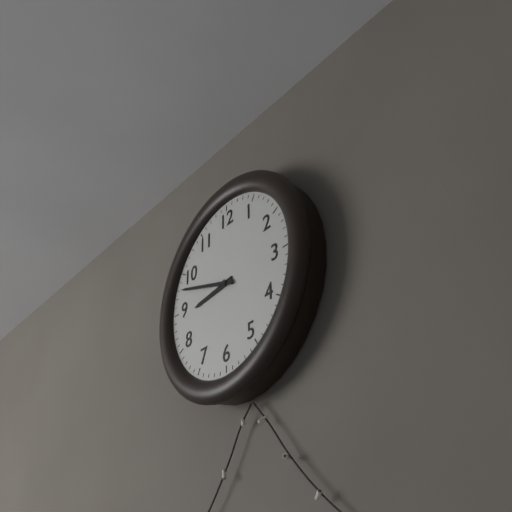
{"hour": 8, "minute": 48}
